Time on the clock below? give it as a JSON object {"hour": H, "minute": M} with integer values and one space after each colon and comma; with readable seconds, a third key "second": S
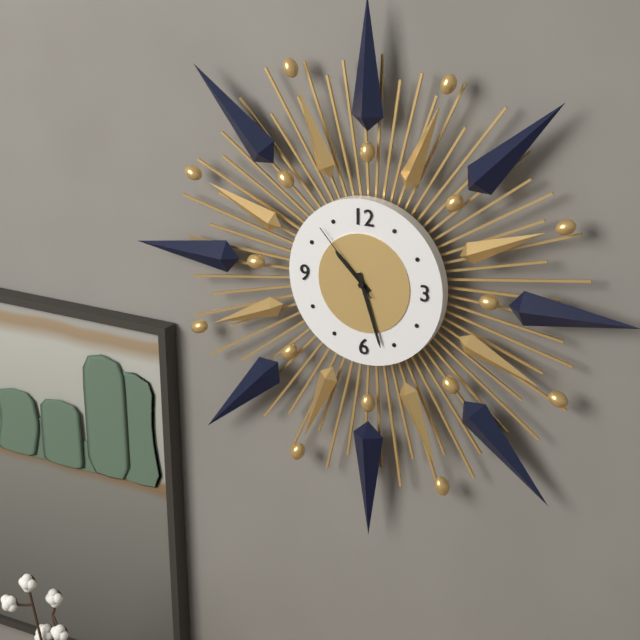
{"hour": 10, "minute": 27, "second": 53}
